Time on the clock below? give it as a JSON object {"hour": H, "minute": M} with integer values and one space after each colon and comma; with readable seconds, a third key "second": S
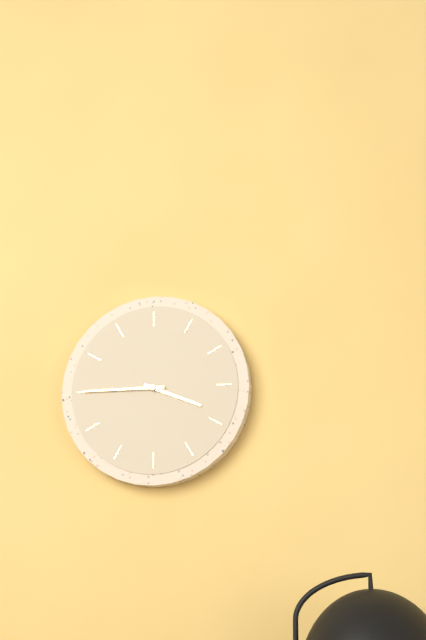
{"hour": 3, "minute": 45}
